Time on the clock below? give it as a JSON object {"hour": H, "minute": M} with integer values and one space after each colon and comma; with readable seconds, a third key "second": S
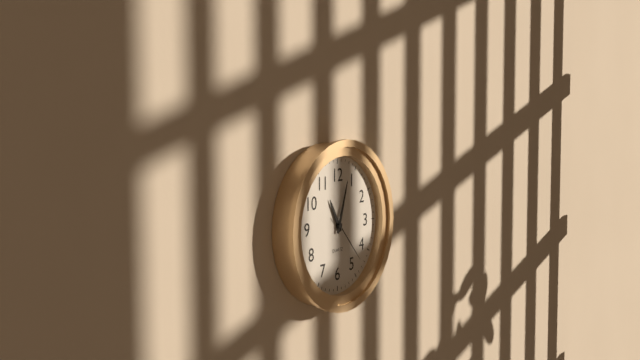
{"hour": 11, "minute": 3, "second": 23}
